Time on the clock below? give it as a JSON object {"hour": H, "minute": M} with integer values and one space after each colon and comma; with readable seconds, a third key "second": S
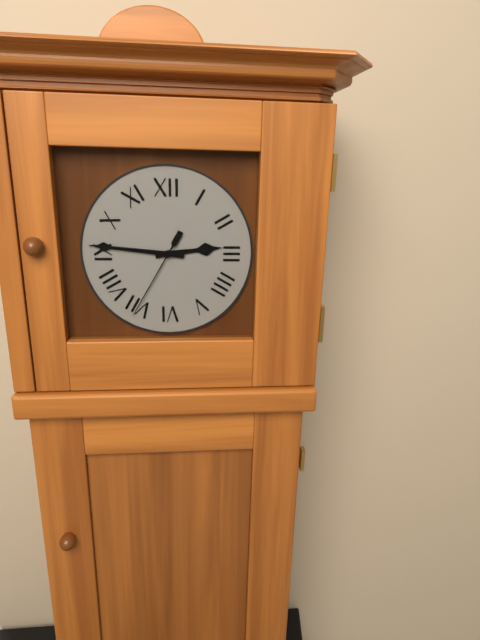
{"hour": 2, "minute": 46, "second": 35}
